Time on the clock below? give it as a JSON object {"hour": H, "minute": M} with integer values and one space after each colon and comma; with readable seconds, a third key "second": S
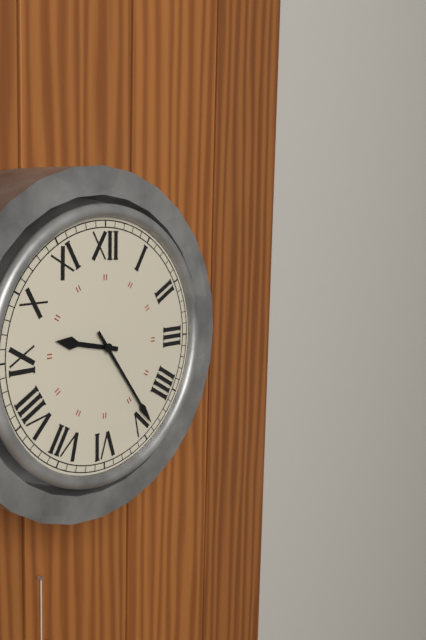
{"hour": 9, "minute": 24}
